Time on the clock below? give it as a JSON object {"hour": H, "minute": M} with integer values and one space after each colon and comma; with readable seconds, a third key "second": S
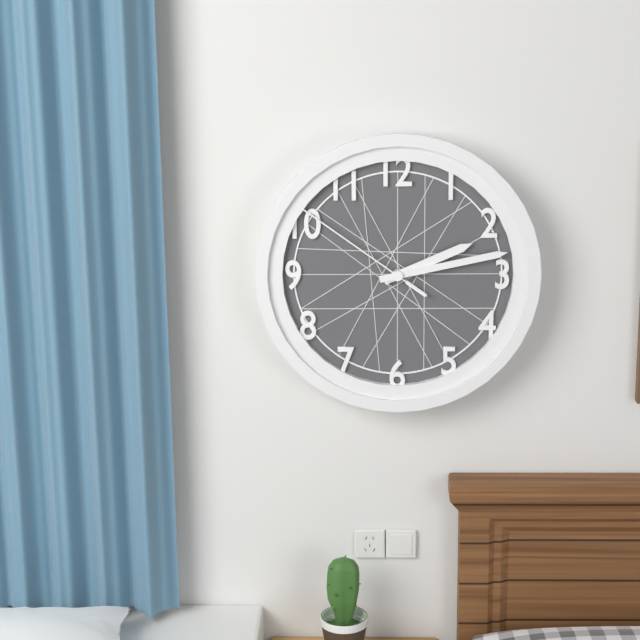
{"hour": 2, "minute": 13, "second": 51}
